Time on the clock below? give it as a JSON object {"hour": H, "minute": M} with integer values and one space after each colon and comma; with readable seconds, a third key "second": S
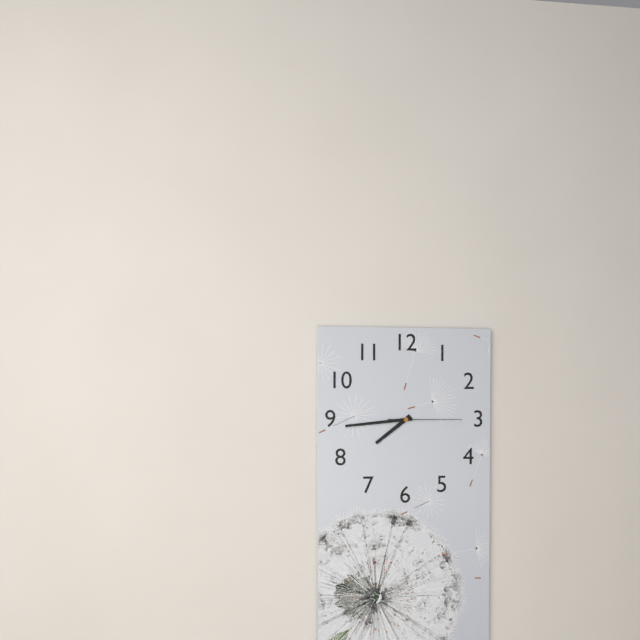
{"hour": 7, "minute": 44, "second": 15}
